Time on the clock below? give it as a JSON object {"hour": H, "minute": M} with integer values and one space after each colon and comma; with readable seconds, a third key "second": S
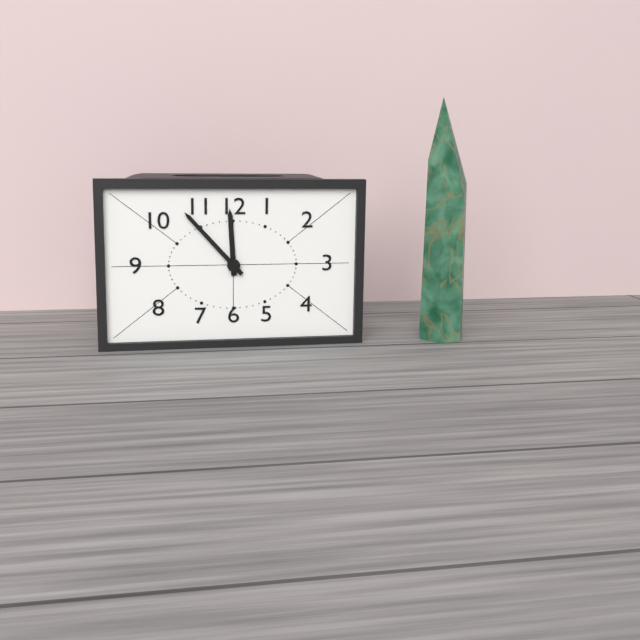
{"hour": 11, "minute": 53}
